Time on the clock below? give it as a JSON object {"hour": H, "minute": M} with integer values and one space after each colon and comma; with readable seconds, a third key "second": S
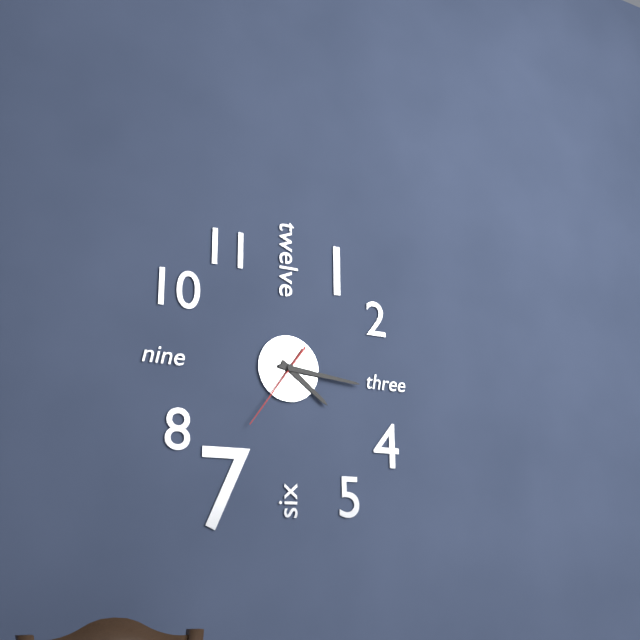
{"hour": 4, "minute": 16, "second": 36}
